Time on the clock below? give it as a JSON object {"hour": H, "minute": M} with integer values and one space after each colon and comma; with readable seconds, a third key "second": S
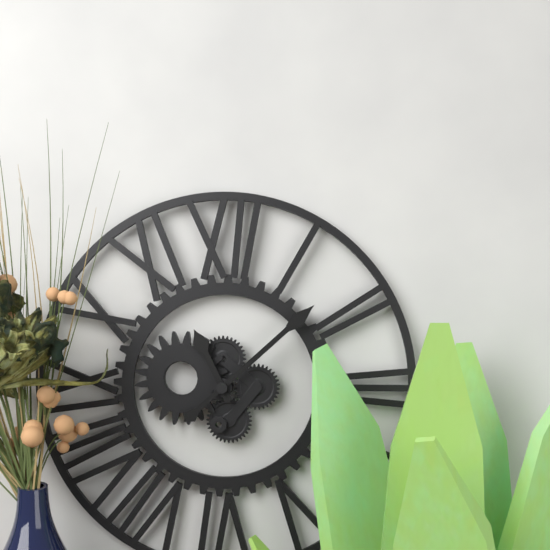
{"hour": 11, "minute": 8}
